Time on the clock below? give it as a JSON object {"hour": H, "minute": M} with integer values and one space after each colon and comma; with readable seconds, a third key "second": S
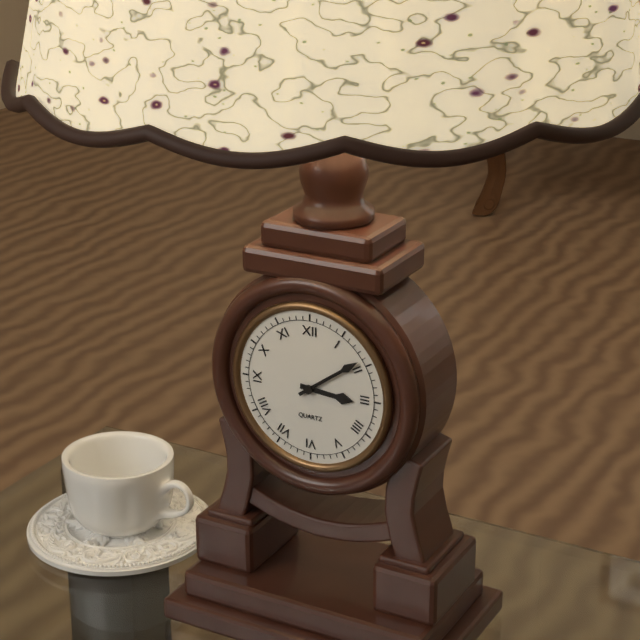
{"hour": 3, "minute": 9}
